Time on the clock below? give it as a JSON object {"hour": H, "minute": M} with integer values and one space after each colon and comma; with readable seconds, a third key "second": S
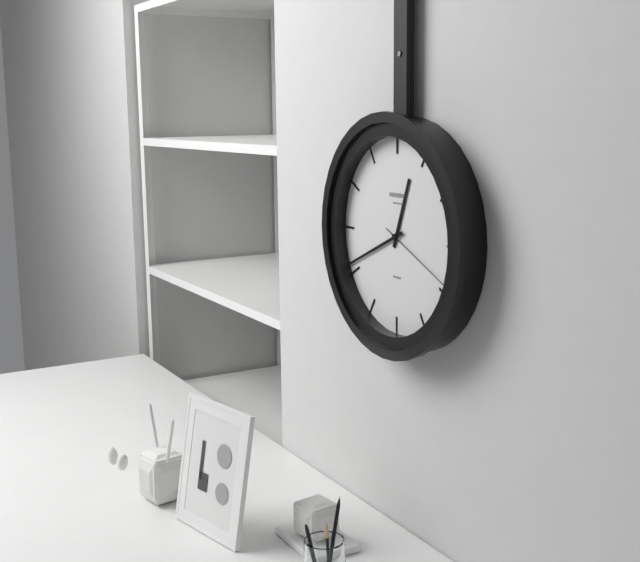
{"hour": 12, "minute": 41, "second": 19}
